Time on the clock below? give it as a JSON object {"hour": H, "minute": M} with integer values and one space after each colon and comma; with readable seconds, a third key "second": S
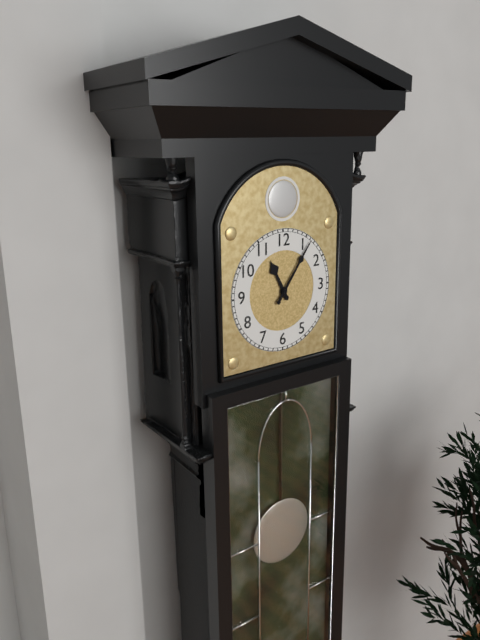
{"hour": 11, "minute": 6}
